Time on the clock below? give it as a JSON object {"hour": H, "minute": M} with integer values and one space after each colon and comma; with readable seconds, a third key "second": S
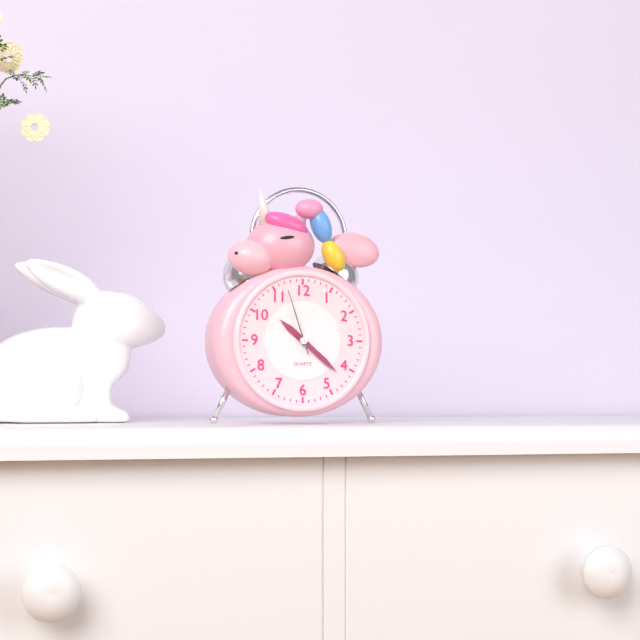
{"hour": 10, "minute": 22, "second": 57}
